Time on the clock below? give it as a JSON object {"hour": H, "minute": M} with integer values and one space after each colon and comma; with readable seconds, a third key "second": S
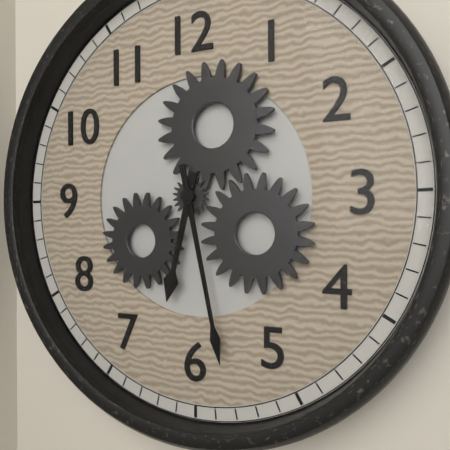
{"hour": 6, "minute": 28}
